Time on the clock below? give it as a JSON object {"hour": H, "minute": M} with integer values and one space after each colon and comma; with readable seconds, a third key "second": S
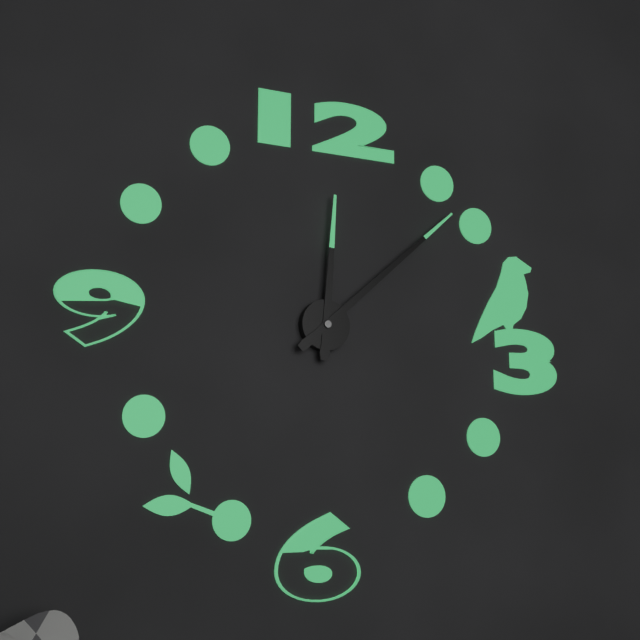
{"hour": 12, "minute": 8}
